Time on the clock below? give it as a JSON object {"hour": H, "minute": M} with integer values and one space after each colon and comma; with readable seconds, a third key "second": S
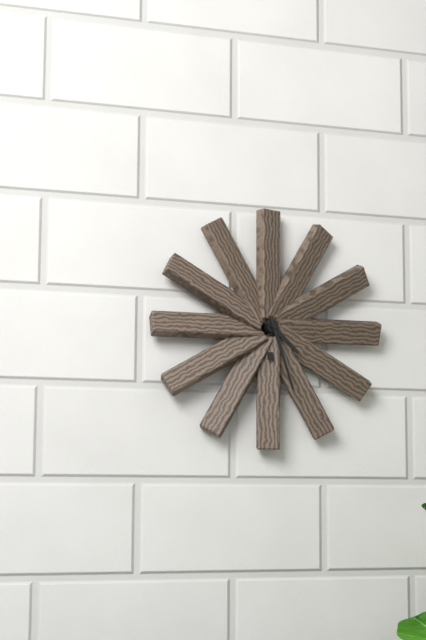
{"hour": 4, "minute": 27}
